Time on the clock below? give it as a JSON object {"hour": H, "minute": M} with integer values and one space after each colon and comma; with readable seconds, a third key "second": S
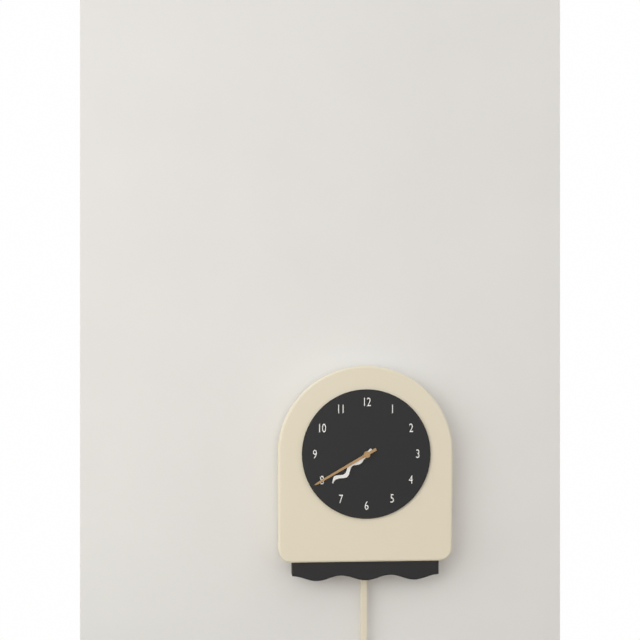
{"hour": 7, "minute": 40}
